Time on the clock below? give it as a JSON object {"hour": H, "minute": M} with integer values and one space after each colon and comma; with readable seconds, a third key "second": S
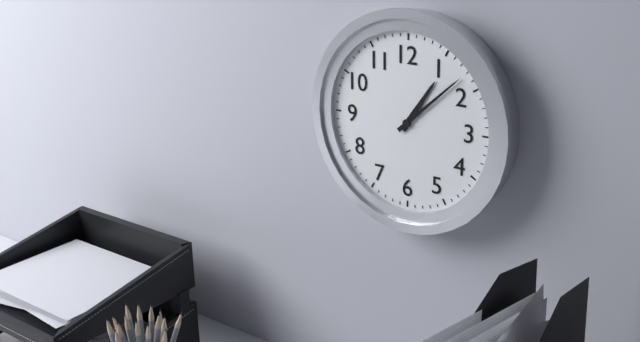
{"hour": 1, "minute": 8}
